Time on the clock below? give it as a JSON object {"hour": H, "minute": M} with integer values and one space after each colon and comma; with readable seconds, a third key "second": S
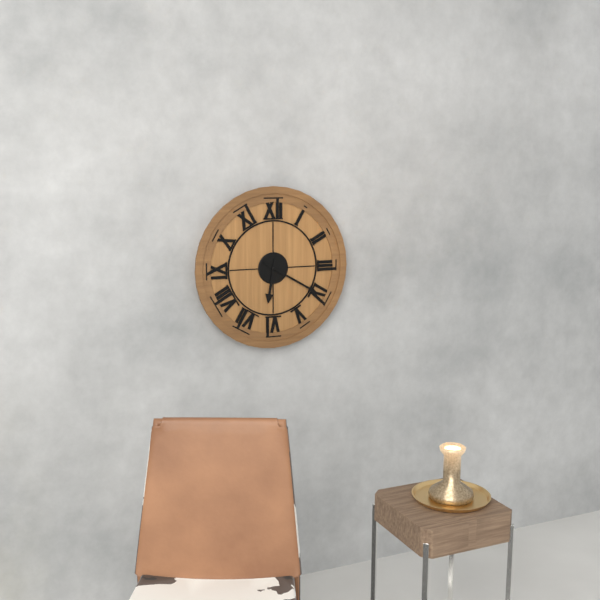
{"hour": 6, "minute": 20}
